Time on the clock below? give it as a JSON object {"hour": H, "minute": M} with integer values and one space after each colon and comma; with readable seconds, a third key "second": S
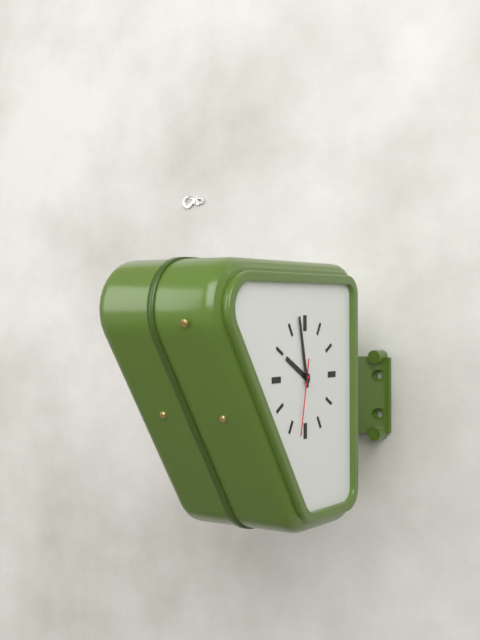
{"hour": 9, "minute": 58, "second": 32}
